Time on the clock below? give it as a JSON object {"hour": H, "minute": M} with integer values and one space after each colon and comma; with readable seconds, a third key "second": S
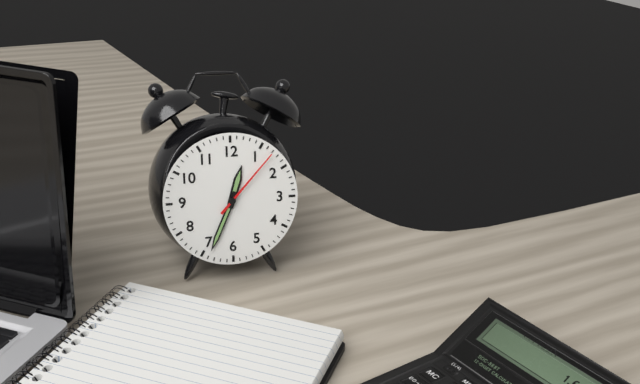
{"hour": 12, "minute": 34, "second": 7}
